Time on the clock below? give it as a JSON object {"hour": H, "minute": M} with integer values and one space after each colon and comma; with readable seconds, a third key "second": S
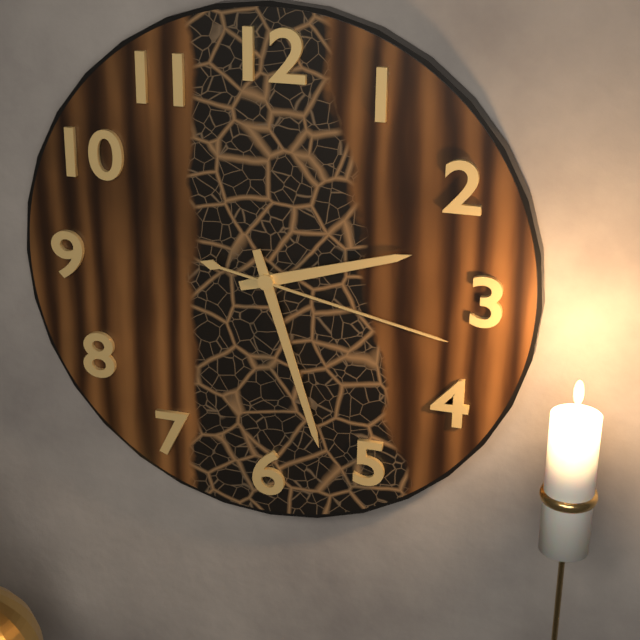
{"hour": 2, "minute": 27, "second": 17}
